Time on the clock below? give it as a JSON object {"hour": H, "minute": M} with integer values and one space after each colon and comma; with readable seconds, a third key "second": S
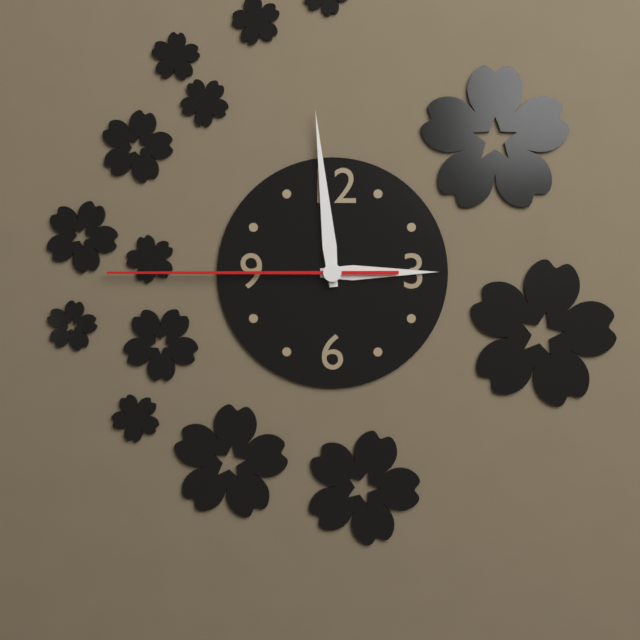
{"hour": 2, "minute": 59, "second": 45}
